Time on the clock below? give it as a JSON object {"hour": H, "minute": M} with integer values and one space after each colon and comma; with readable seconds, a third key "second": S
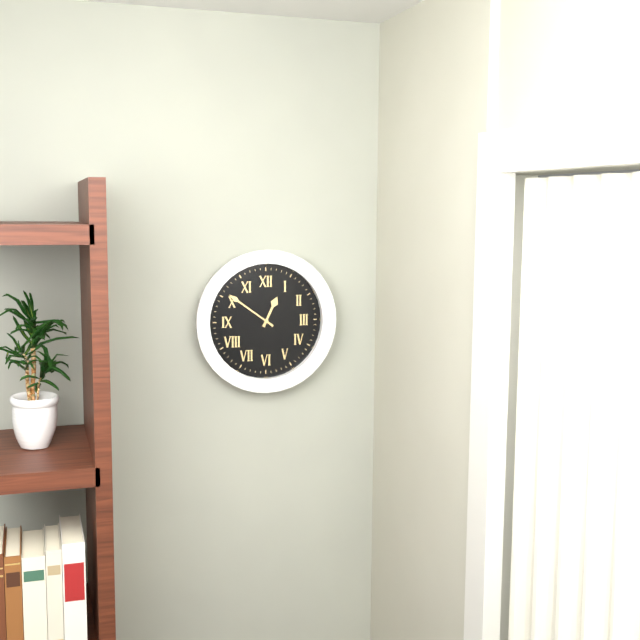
{"hour": 12, "minute": 51}
